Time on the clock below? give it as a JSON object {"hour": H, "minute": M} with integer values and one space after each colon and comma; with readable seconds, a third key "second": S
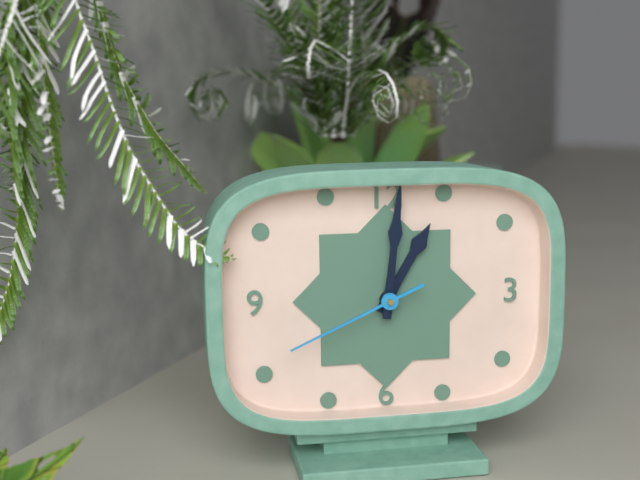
{"hour": 1, "minute": 1, "second": 41}
